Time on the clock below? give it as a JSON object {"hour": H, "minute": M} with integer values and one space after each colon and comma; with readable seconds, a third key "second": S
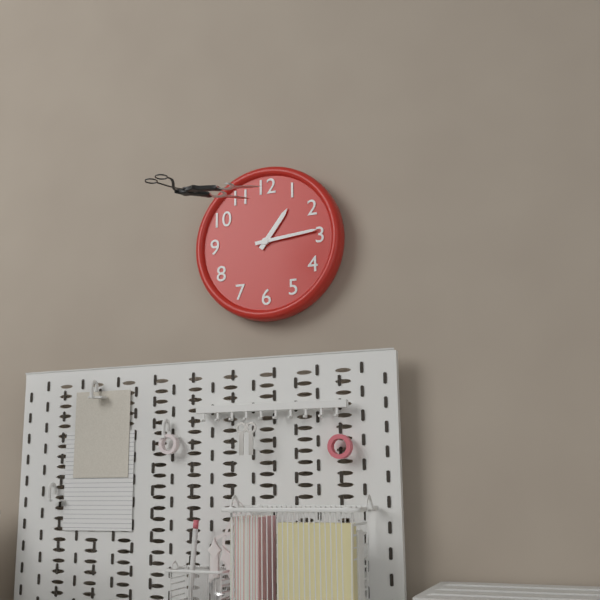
{"hour": 1, "minute": 14}
